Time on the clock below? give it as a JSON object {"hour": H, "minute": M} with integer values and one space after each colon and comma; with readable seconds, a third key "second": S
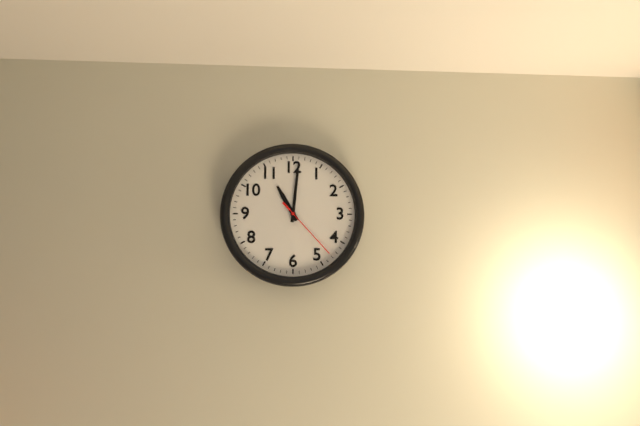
{"hour": 11, "minute": 1, "second": 23}
